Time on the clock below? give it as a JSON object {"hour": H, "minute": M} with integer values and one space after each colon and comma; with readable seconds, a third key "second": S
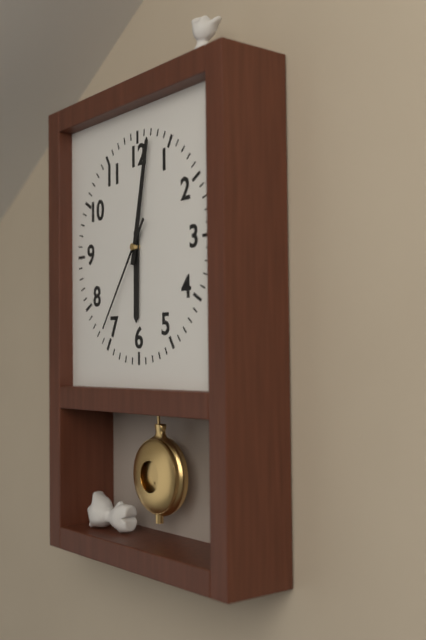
{"hour": 6, "minute": 2, "second": 36}
